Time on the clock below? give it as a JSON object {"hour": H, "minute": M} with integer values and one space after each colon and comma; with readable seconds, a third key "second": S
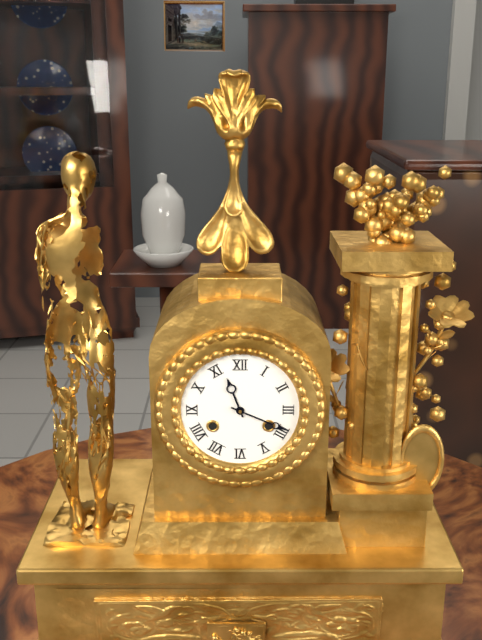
{"hour": 11, "minute": 19}
